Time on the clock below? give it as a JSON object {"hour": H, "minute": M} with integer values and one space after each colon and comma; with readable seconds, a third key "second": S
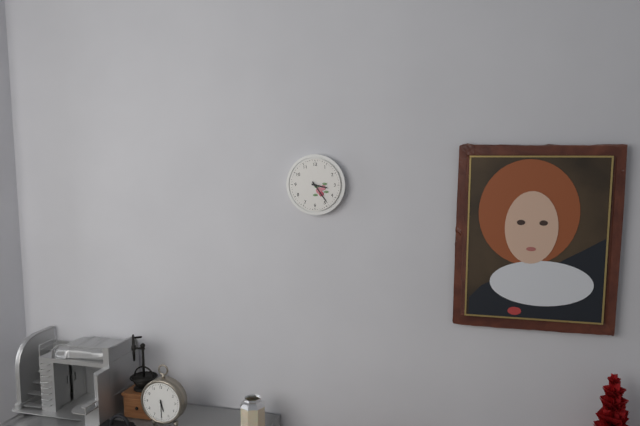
{"hour": 3, "minute": 24}
